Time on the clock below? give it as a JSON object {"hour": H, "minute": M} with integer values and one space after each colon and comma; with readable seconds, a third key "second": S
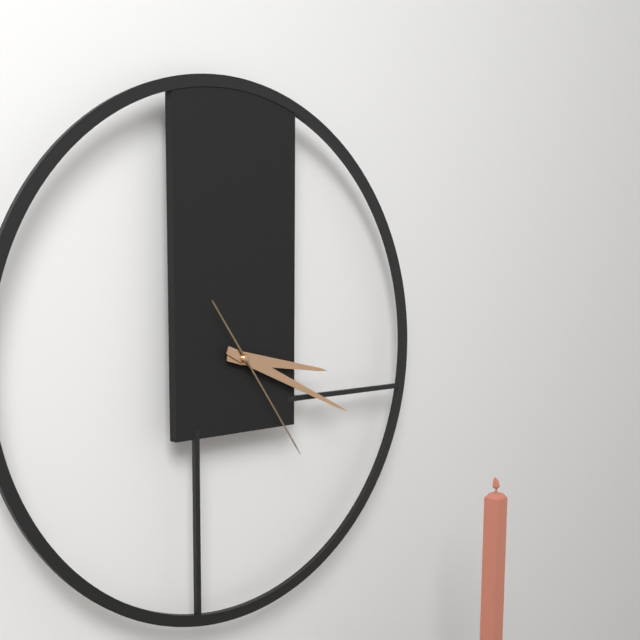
{"hour": 3, "minute": 19, "second": 24}
